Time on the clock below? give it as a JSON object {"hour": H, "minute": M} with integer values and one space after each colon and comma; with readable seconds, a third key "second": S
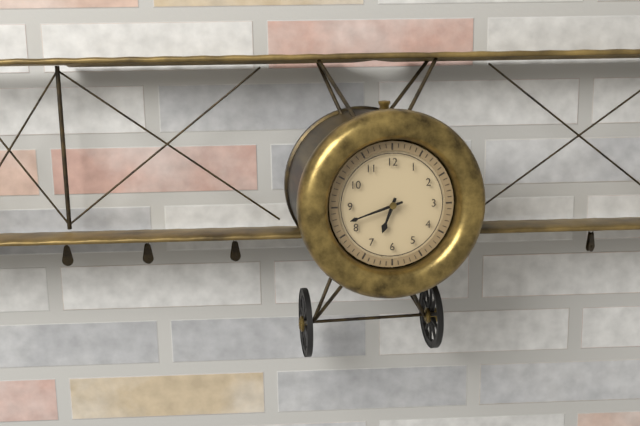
{"hour": 6, "minute": 42}
